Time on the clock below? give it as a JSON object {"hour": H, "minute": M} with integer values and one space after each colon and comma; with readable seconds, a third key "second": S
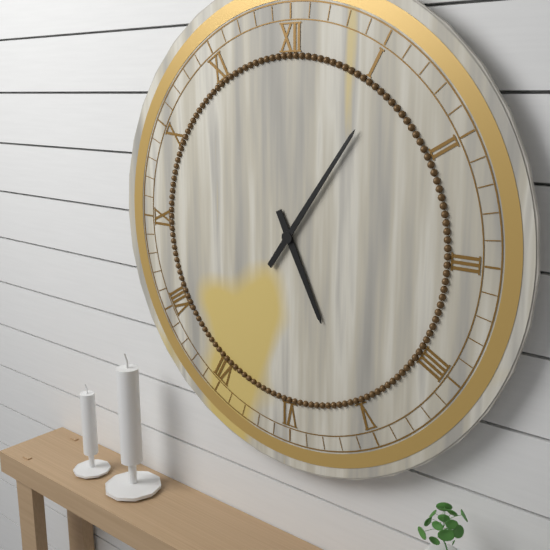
{"hour": 5, "minute": 6}
